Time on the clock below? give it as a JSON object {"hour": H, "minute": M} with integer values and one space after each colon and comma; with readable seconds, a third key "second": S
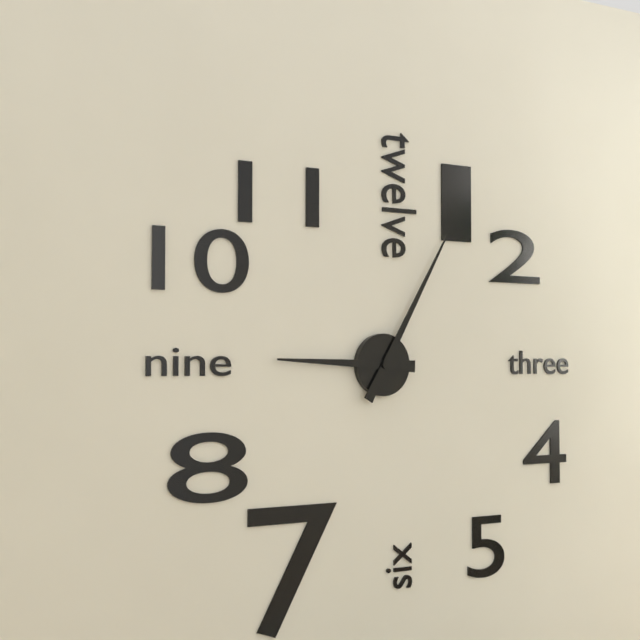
{"hour": 9, "minute": 5}
